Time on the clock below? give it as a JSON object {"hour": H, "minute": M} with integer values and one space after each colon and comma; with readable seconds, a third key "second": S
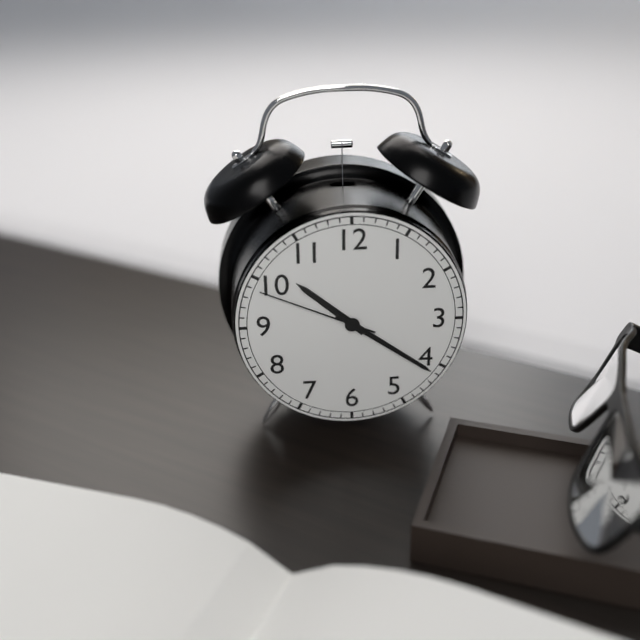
{"hour": 10, "minute": 21, "second": 49}
